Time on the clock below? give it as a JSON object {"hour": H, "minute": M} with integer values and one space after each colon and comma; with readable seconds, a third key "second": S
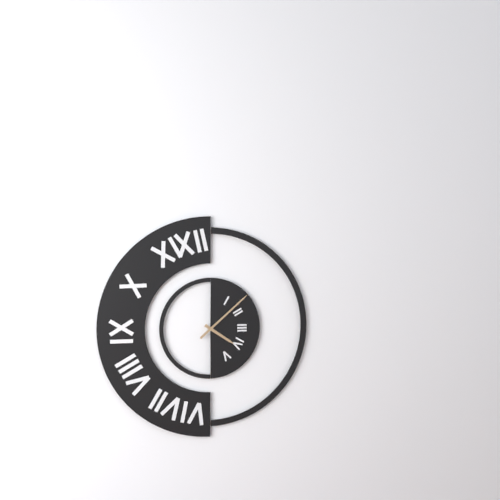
{"hour": 4, "minute": 8}
